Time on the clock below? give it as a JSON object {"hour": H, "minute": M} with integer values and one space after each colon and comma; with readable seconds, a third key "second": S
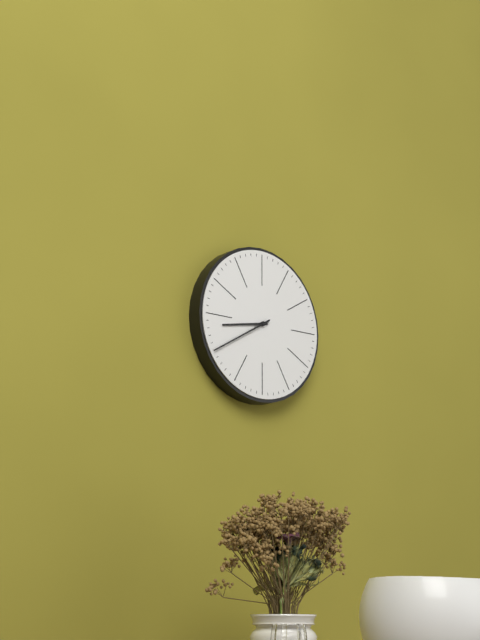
{"hour": 8, "minute": 40}
